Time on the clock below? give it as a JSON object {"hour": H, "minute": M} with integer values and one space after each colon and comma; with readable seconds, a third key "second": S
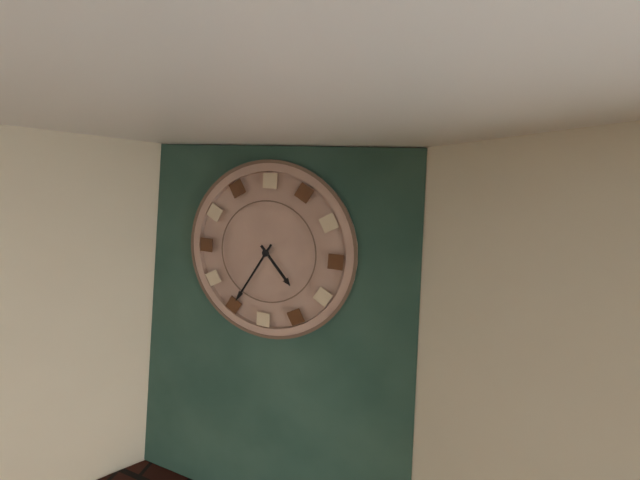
{"hour": 4, "minute": 35}
